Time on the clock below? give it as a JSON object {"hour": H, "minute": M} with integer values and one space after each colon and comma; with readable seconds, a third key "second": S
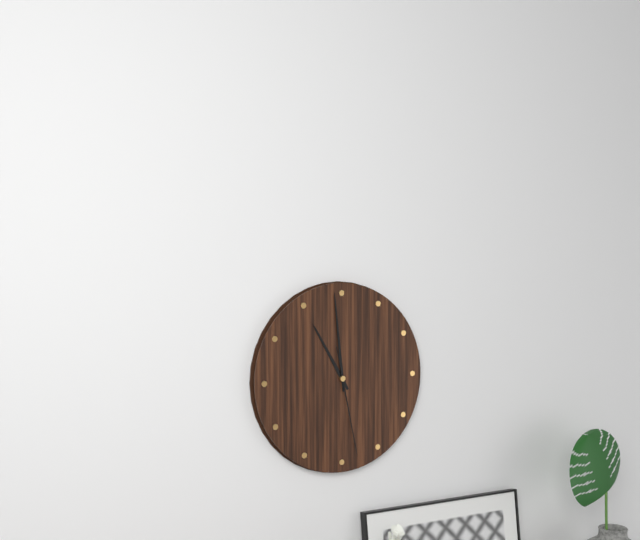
{"hour": 10, "minute": 59, "second": 28}
